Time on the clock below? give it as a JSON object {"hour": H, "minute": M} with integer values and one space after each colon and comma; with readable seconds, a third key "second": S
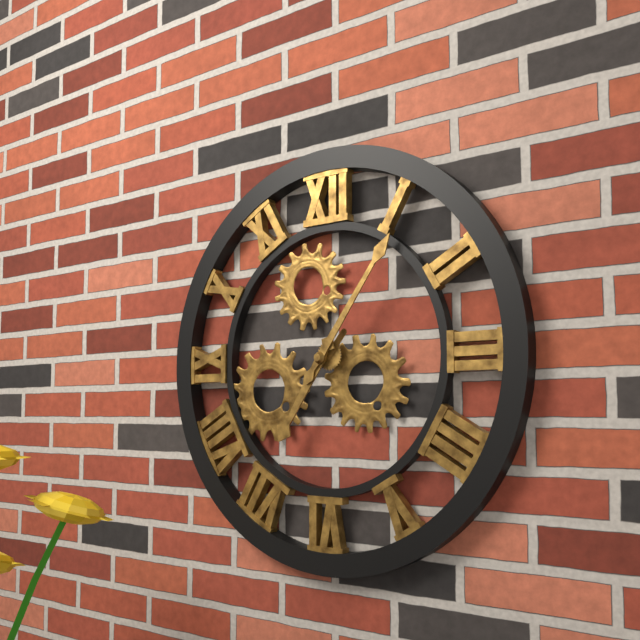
{"hour": 7, "minute": 6}
